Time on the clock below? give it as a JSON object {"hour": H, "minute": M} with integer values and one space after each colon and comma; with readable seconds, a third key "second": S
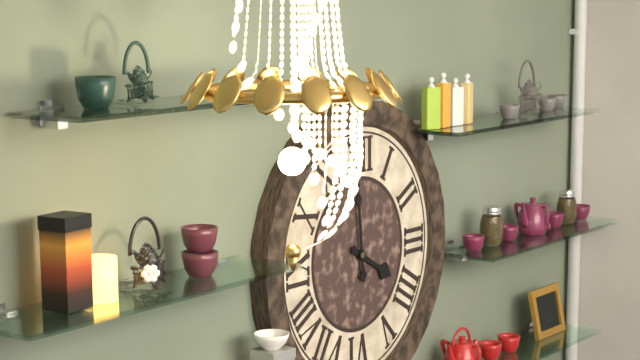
{"hour": 3, "minute": 59}
